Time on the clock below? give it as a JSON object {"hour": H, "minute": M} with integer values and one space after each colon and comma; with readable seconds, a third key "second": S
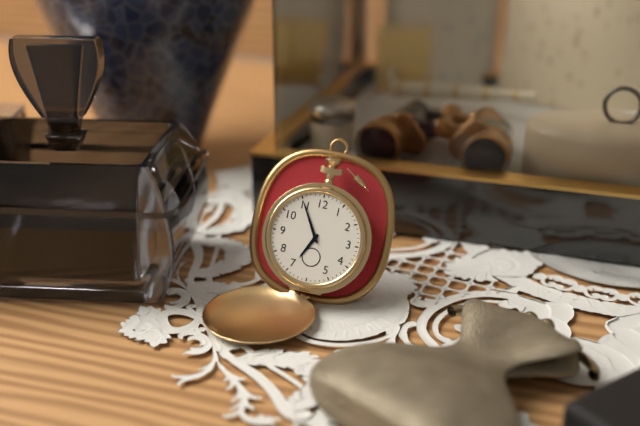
{"hour": 6, "minute": 55}
